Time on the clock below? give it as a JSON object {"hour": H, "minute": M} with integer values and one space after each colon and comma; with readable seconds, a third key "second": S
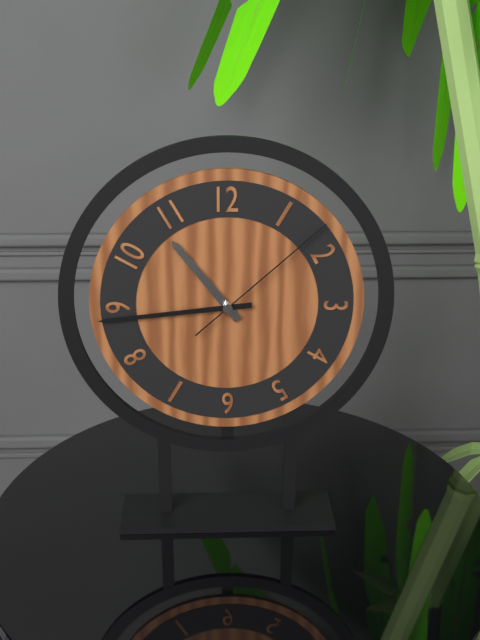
{"hour": 10, "minute": 44, "second": 8}
